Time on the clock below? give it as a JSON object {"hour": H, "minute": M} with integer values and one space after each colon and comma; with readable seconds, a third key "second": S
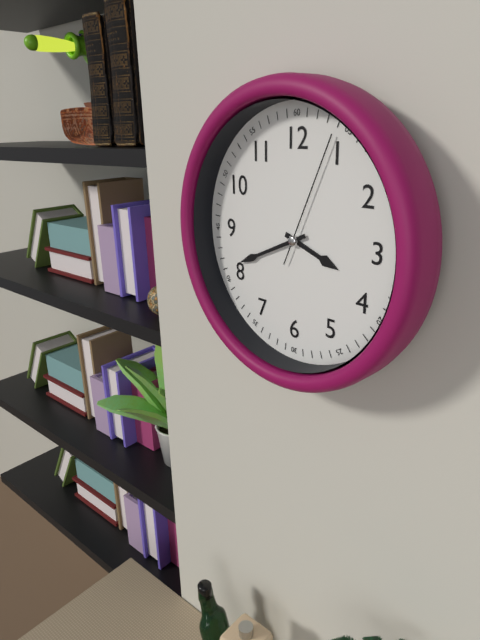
{"hour": 3, "minute": 41, "second": 4}
